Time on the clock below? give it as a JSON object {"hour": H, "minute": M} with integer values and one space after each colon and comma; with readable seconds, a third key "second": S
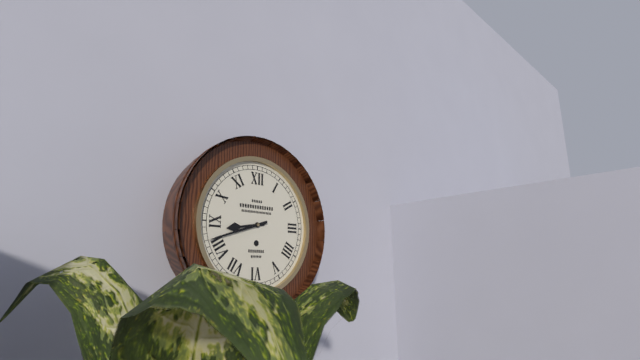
{"hour": 8, "minute": 42}
